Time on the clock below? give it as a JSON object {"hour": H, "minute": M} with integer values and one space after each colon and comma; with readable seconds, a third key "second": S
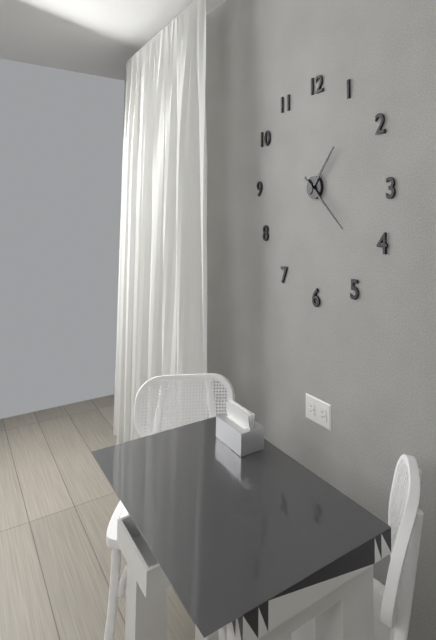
{"hour": 1, "minute": 22}
